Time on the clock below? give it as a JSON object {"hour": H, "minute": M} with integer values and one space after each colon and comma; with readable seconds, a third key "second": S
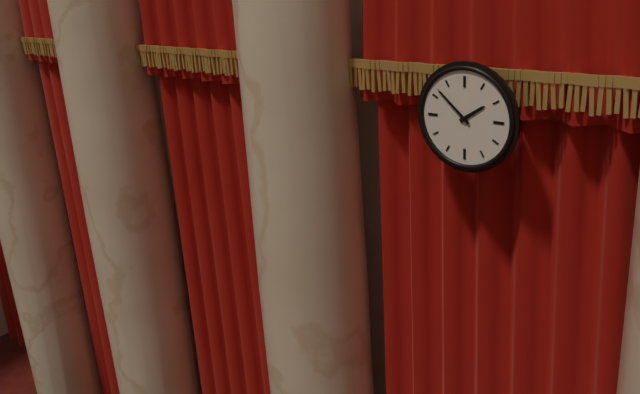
{"hour": 1, "minute": 52}
